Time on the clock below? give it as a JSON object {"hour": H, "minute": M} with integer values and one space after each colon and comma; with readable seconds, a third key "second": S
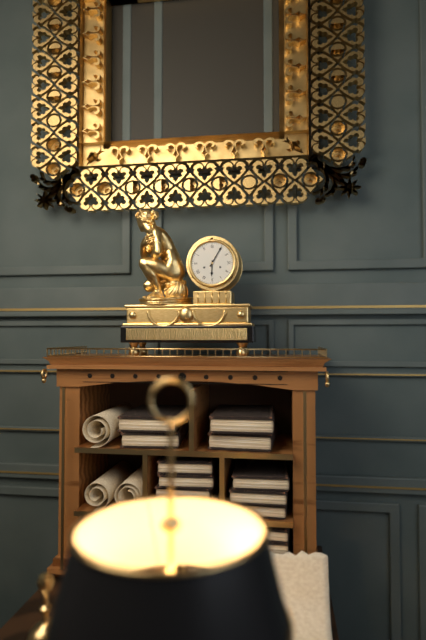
{"hour": 6, "minute": 5}
